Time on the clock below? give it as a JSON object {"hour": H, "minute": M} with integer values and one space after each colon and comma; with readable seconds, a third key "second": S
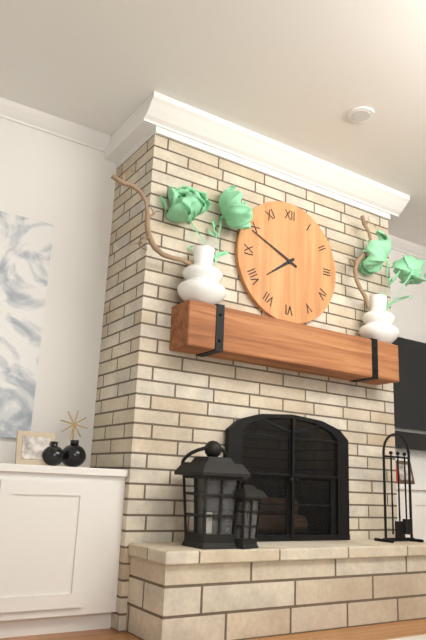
{"hour": 7, "minute": 49}
